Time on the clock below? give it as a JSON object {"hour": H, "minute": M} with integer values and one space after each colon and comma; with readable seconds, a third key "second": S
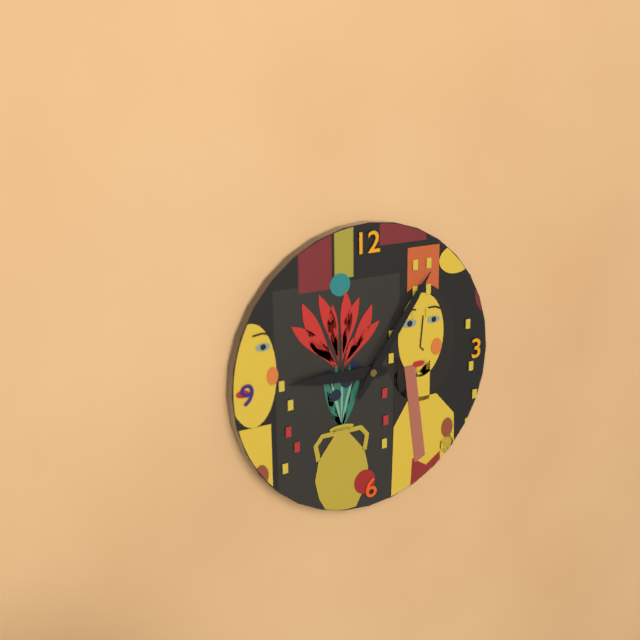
{"hour": 9, "minute": 6}
